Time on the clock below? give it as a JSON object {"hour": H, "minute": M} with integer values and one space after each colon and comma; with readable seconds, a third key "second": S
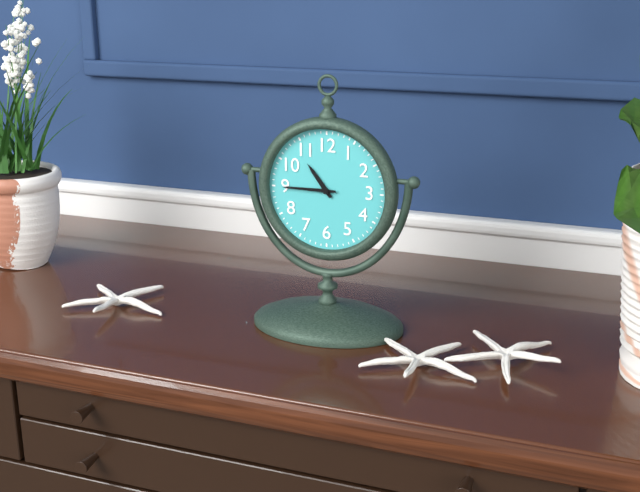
{"hour": 10, "minute": 45}
